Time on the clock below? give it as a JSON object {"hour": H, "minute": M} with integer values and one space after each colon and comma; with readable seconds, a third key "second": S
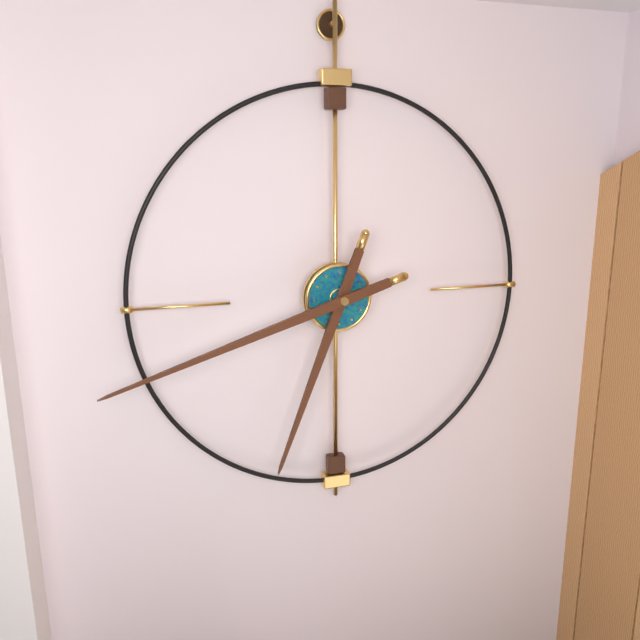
{"hour": 6, "minute": 42}
